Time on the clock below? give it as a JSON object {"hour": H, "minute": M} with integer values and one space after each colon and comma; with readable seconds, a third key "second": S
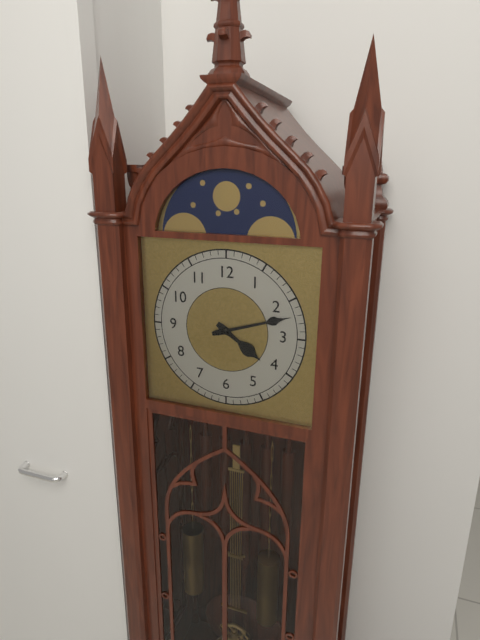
{"hour": 4, "minute": 12}
